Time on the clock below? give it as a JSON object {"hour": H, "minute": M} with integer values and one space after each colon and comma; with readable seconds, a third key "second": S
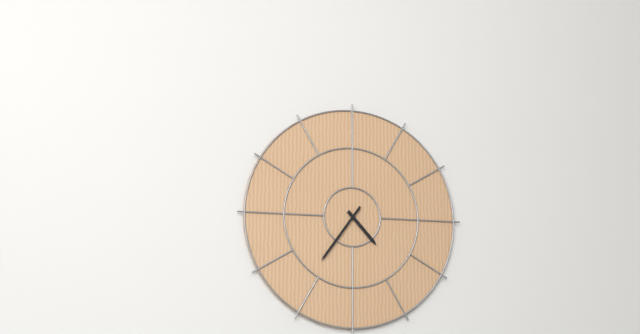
{"hour": 4, "minute": 36}
